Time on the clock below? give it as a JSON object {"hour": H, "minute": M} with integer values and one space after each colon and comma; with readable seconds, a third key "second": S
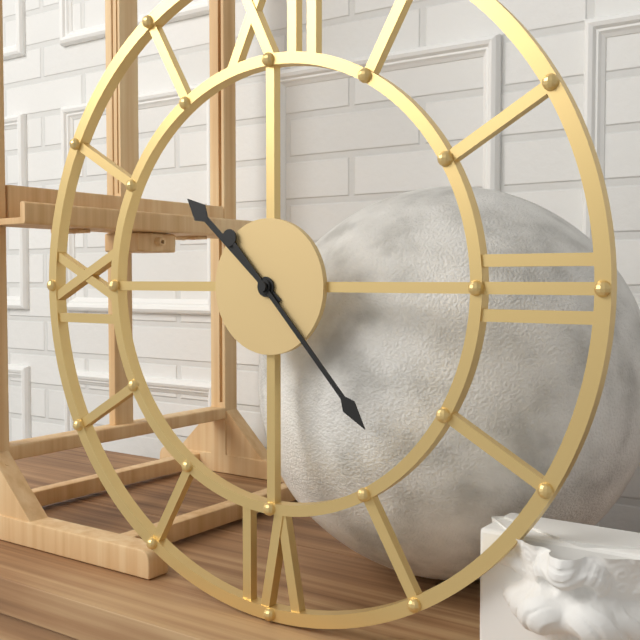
{"hour": 10, "minute": 23}
